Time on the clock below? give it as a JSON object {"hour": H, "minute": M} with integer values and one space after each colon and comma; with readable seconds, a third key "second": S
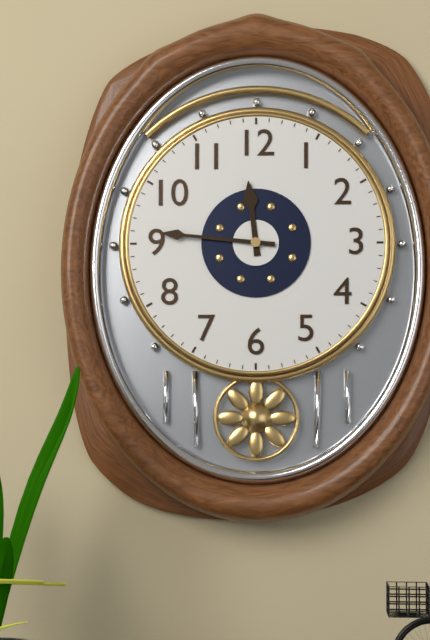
{"hour": 11, "minute": 46}
